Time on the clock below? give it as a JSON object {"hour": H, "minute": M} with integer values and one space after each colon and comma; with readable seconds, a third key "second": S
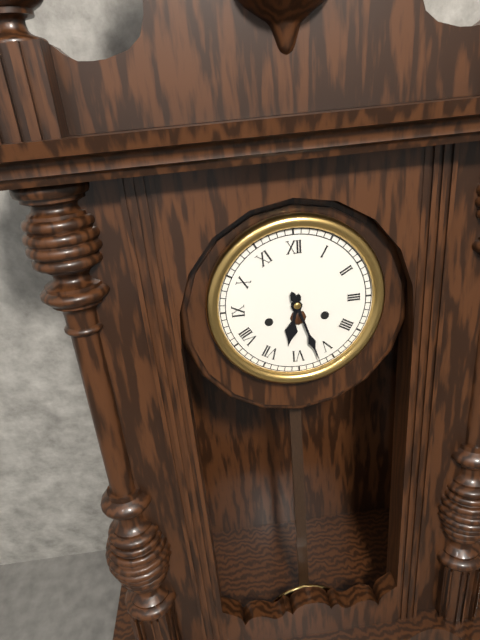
{"hour": 6, "minute": 27}
